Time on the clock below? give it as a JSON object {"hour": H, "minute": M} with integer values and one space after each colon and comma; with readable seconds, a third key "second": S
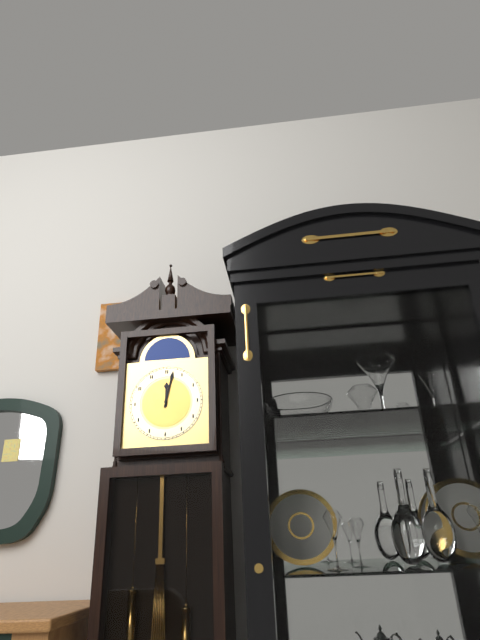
{"hour": 12, "minute": 2}
